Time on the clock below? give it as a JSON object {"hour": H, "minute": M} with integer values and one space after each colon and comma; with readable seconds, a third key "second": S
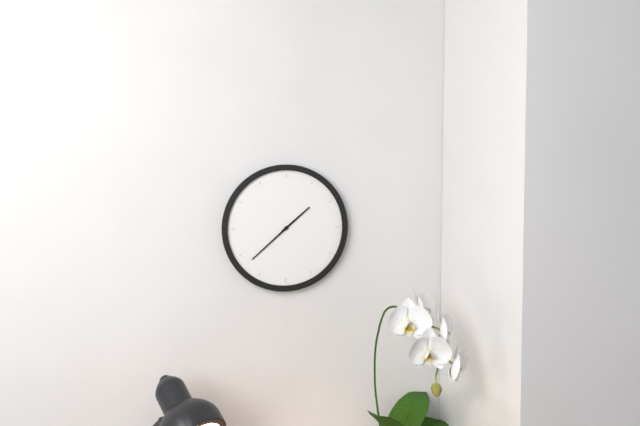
{"hour": 1, "minute": 38}
